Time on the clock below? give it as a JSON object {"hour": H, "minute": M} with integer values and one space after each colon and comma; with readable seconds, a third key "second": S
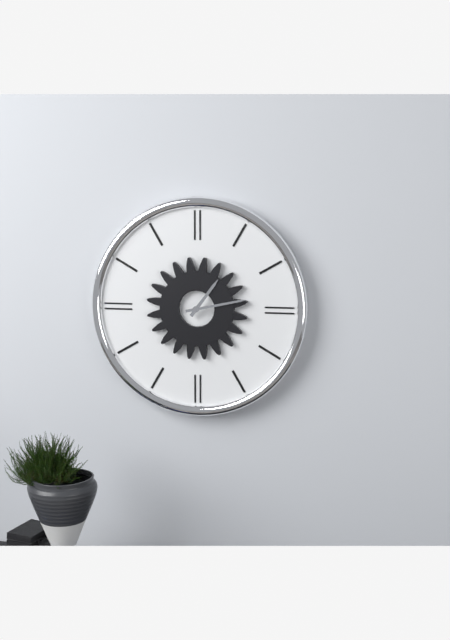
{"hour": 1, "minute": 13}
